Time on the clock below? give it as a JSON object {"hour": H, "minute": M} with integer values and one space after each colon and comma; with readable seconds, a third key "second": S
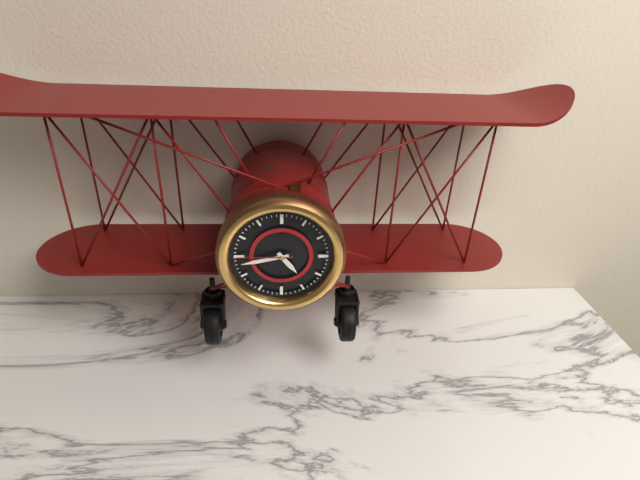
{"hour": 4, "minute": 43, "second": 45}
